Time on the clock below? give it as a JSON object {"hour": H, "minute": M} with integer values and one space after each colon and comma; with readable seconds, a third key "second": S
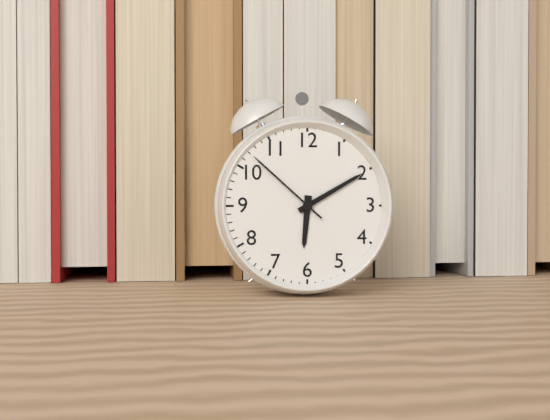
{"hour": 6, "minute": 10, "second": 52}
